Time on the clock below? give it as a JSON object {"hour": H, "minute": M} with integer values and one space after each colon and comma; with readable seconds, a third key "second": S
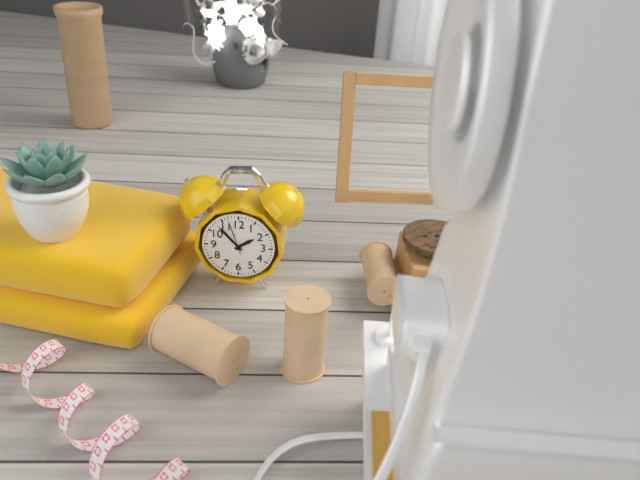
{"hour": 1, "minute": 53}
